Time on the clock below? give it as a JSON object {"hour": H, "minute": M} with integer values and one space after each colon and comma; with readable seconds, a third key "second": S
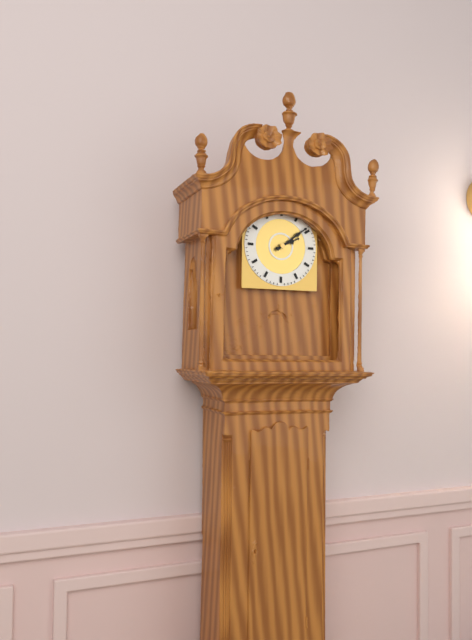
{"hour": 2, "minute": 9}
